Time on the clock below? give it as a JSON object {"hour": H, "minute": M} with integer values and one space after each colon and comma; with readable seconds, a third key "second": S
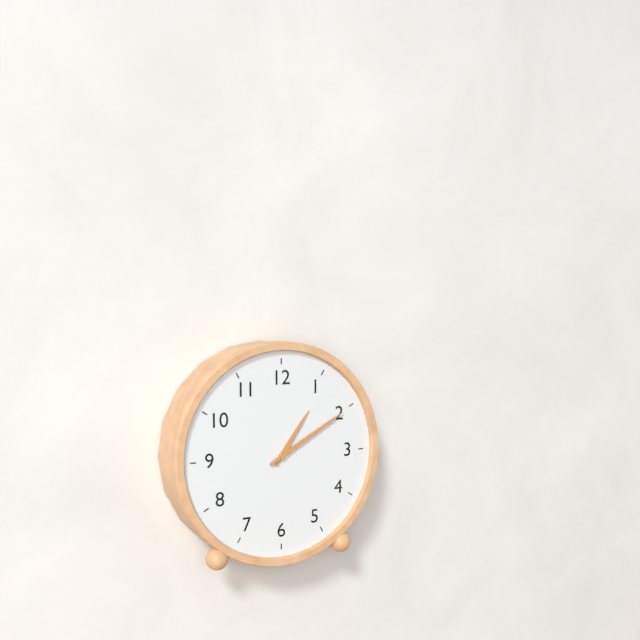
{"hour": 1, "minute": 10}
